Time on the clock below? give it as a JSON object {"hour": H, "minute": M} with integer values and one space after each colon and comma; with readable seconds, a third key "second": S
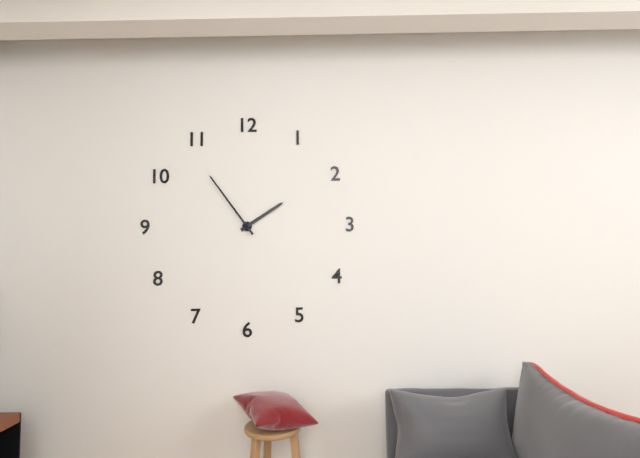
{"hour": 1, "minute": 54}
